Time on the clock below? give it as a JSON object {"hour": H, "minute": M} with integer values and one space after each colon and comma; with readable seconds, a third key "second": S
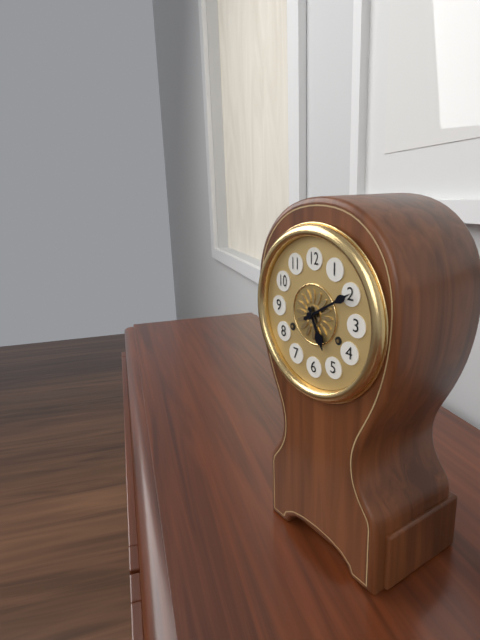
{"hour": 5, "minute": 10}
